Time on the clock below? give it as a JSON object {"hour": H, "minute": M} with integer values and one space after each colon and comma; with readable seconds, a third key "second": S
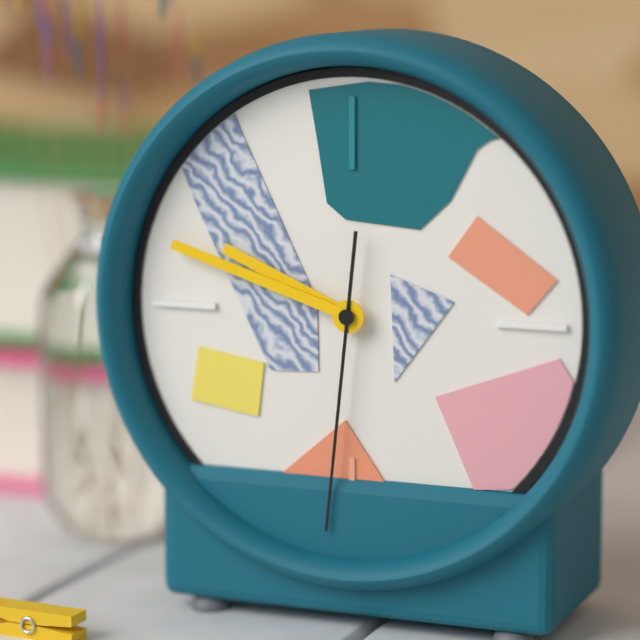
{"hour": 9, "minute": 48, "second": 31}
